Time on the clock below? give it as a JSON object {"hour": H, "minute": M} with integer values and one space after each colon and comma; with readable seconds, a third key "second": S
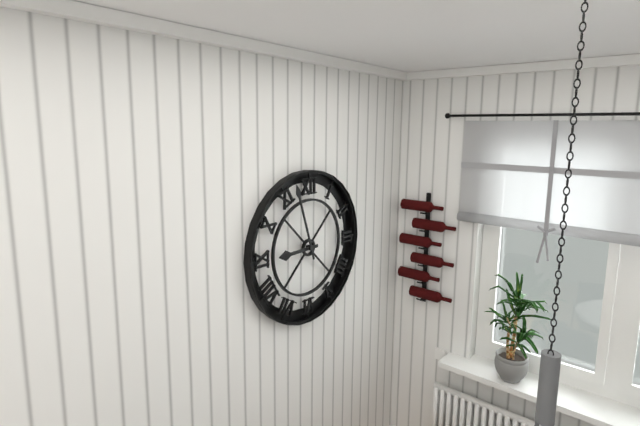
{"hour": 8, "minute": 57}
